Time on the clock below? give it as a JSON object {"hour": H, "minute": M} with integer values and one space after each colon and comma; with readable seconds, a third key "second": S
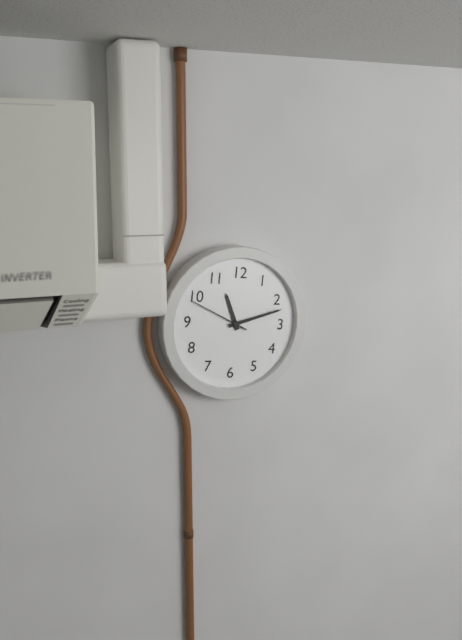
{"hour": 11, "minute": 12, "second": 49}
